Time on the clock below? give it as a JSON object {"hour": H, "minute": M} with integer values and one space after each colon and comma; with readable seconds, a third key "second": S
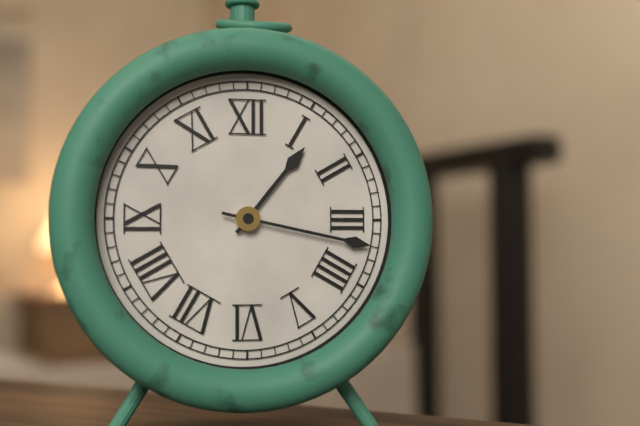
{"hour": 1, "minute": 17}
